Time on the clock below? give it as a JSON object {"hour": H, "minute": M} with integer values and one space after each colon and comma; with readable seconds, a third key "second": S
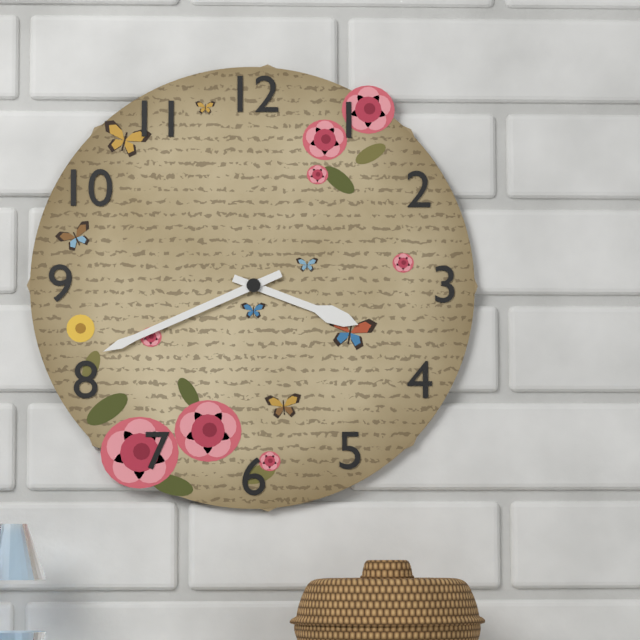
{"hour": 3, "minute": 41}
